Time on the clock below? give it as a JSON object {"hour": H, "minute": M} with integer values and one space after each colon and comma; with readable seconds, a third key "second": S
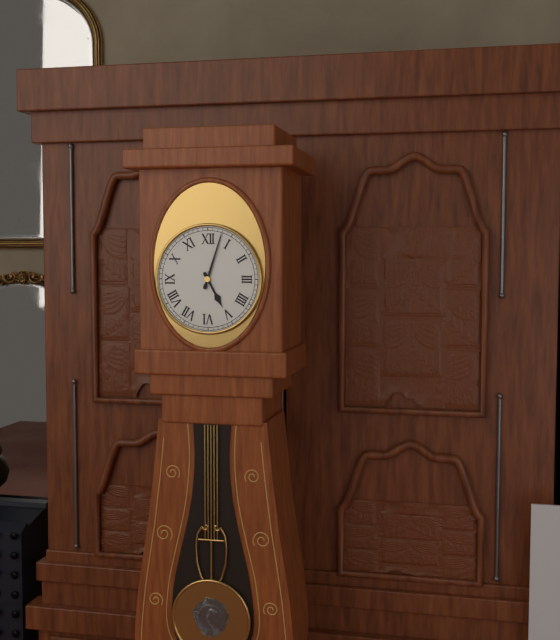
{"hour": 5, "minute": 3}
